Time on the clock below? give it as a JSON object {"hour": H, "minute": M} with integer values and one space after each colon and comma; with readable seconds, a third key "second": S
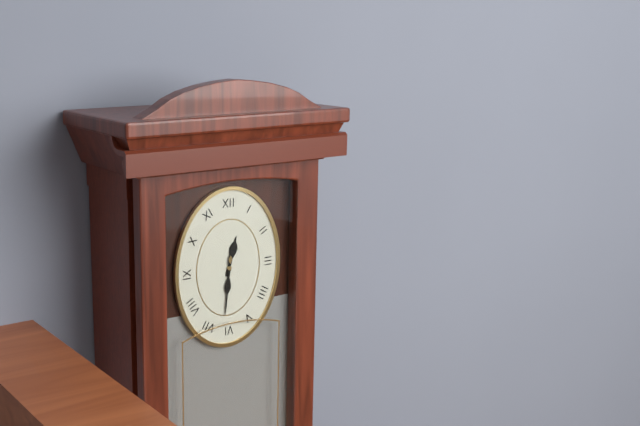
{"hour": 12, "minute": 31}
